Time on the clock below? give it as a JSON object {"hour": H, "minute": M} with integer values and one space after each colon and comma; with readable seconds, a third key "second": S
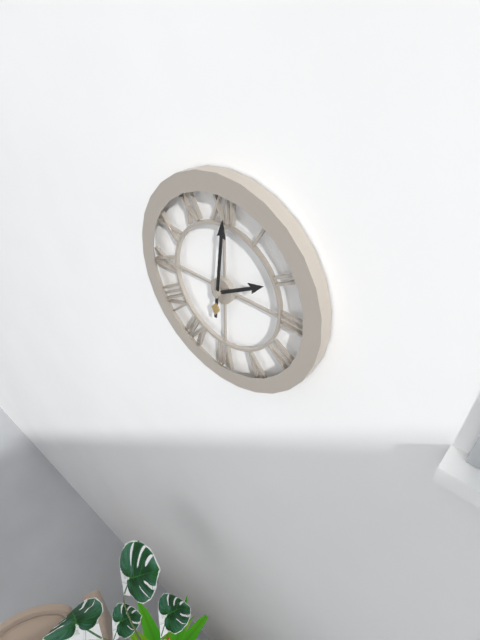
{"hour": 2, "minute": 1}
